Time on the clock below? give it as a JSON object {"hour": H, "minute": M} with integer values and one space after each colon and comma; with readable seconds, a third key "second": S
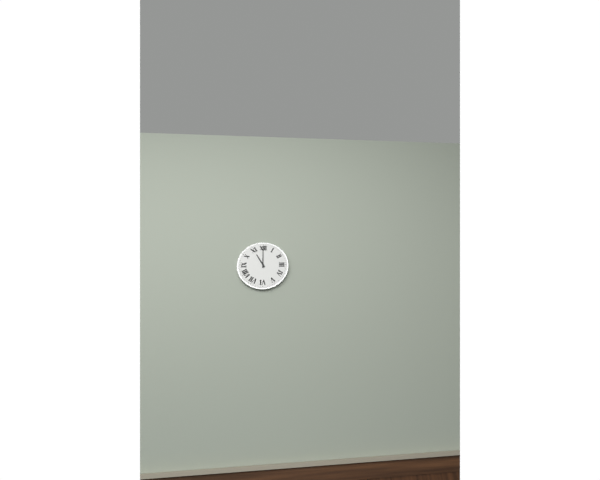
{"hour": 11, "minute": 0}
